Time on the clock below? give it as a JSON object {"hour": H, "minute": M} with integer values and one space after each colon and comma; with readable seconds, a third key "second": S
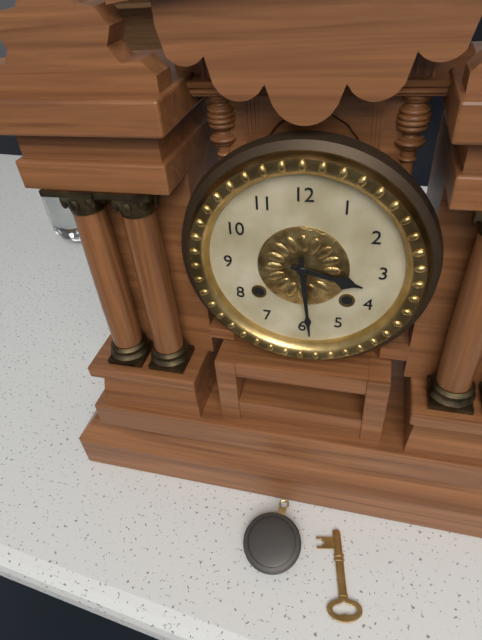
{"hour": 3, "minute": 29}
